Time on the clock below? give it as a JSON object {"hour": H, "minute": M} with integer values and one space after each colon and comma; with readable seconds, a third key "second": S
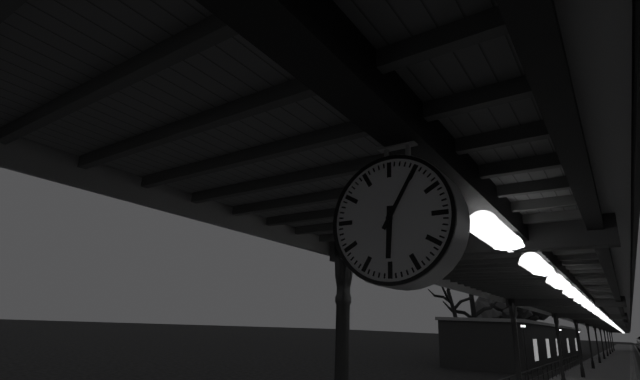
{"hour": 6, "minute": 5}
